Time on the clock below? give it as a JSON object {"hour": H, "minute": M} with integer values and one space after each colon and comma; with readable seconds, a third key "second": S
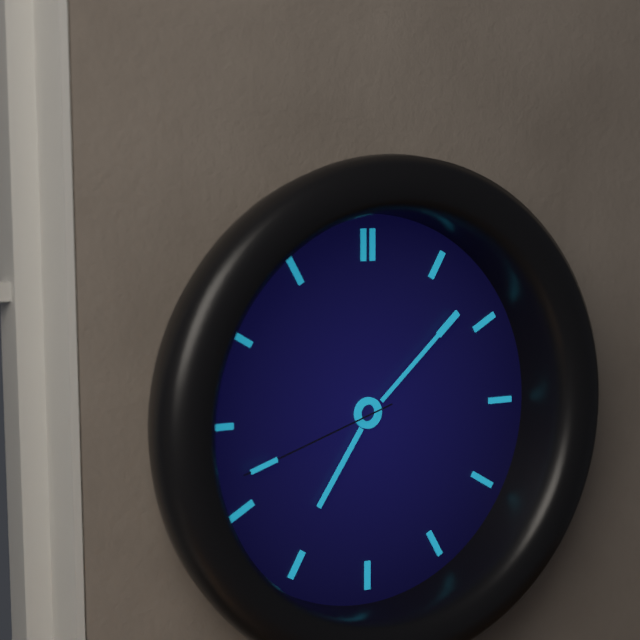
{"hour": 7, "minute": 8, "second": 42}
